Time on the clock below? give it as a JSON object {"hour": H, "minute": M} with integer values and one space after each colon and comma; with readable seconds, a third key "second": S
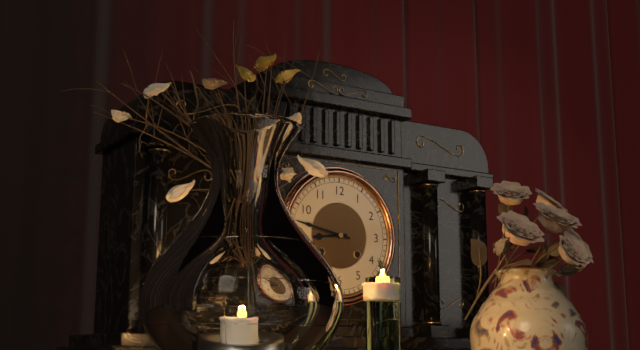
{"hour": 8, "minute": 47}
